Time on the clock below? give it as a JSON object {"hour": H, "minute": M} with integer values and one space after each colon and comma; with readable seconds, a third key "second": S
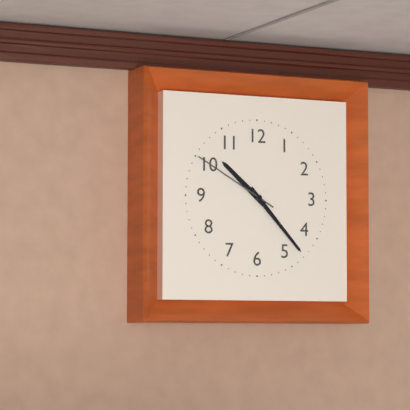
{"hour": 10, "minute": 23, "second": 50}
